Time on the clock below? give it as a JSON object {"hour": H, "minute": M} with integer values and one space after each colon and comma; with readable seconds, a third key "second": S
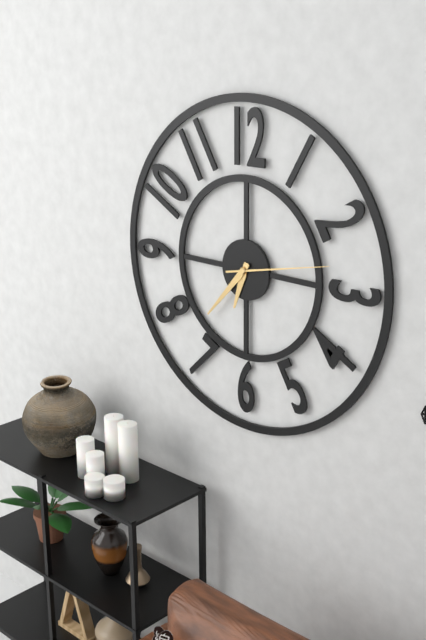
{"hour": 6, "minute": 37, "second": 13}
